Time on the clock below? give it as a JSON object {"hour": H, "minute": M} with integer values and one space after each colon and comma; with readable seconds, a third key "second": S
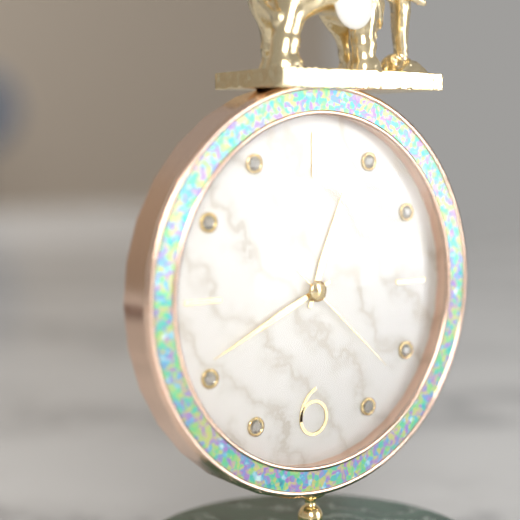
{"hour": 12, "minute": 41, "second": 22}
